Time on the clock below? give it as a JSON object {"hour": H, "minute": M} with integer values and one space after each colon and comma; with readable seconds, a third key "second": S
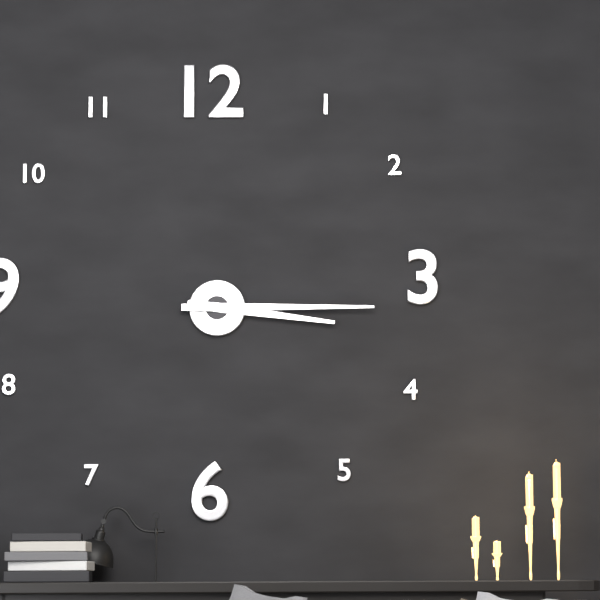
{"hour": 3, "minute": 15}
